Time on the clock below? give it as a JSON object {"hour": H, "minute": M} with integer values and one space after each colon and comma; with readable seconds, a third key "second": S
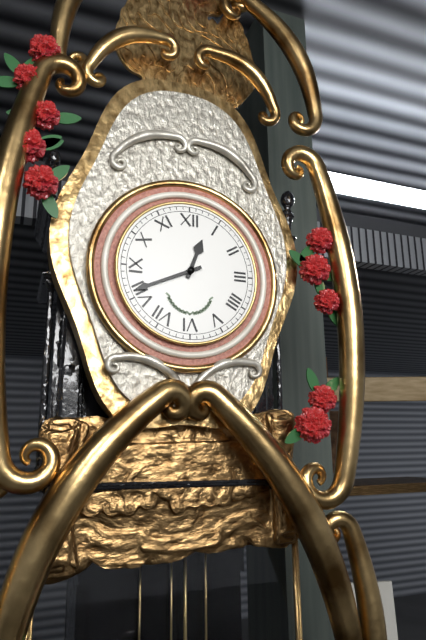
{"hour": 12, "minute": 41}
